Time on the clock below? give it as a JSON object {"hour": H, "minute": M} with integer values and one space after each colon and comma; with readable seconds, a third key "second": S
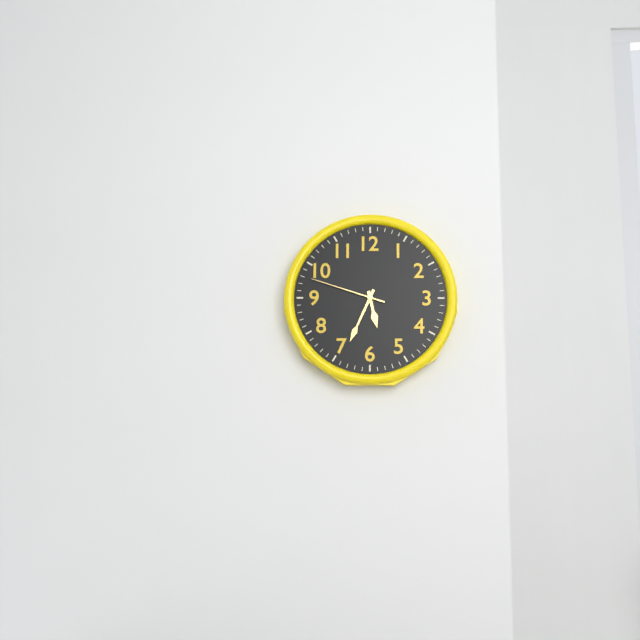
{"hour": 5, "minute": 34, "second": 48}
